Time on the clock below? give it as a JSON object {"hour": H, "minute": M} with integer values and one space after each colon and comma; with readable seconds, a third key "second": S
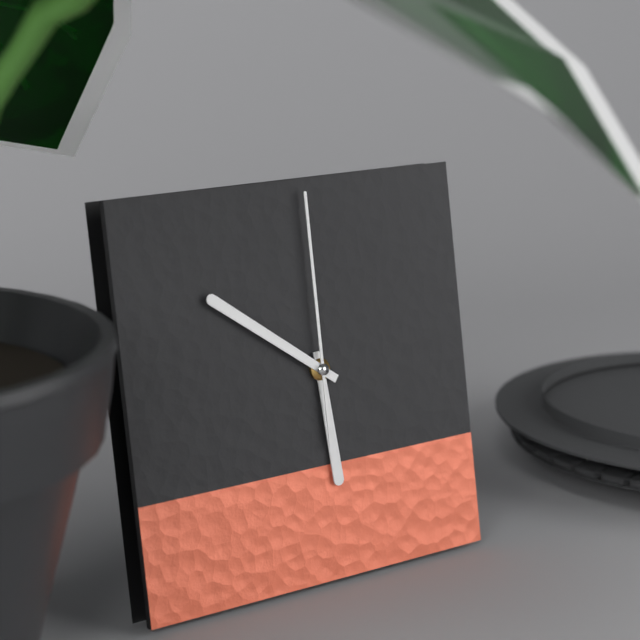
{"hour": 5, "minute": 51, "second": 0}
